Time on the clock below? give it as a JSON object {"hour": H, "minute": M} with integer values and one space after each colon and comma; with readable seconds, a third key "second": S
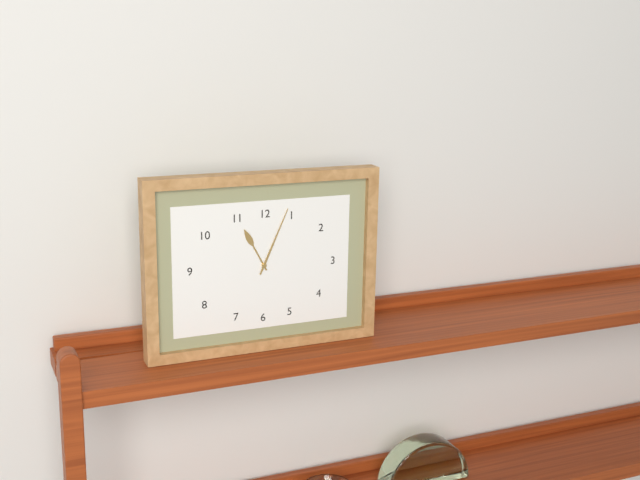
{"hour": 11, "minute": 4}
